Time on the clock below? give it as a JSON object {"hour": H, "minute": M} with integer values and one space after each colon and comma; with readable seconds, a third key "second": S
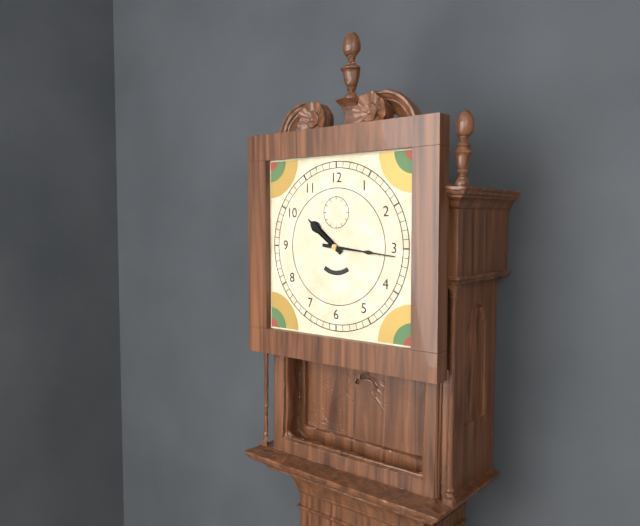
{"hour": 10, "minute": 16}
